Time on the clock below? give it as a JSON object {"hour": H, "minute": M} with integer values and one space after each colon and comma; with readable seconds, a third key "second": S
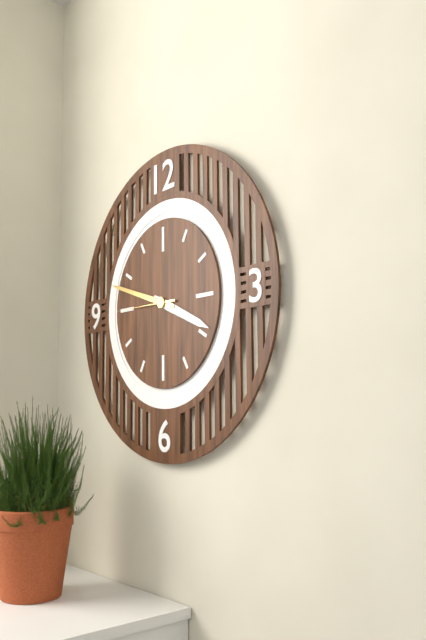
{"hour": 3, "minute": 48, "second": 45}
